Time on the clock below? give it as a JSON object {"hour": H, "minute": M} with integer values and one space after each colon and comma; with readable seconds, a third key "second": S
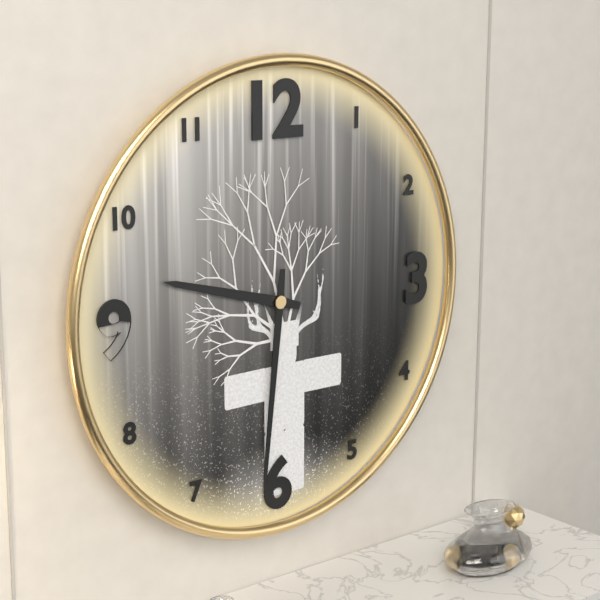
{"hour": 9, "minute": 31}
